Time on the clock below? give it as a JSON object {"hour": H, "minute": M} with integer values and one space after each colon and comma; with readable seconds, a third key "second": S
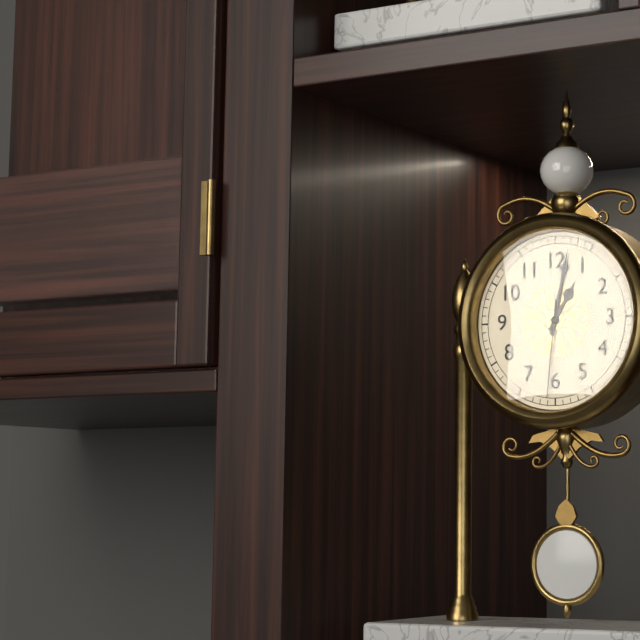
{"hour": 1, "minute": 2, "second": 31}
